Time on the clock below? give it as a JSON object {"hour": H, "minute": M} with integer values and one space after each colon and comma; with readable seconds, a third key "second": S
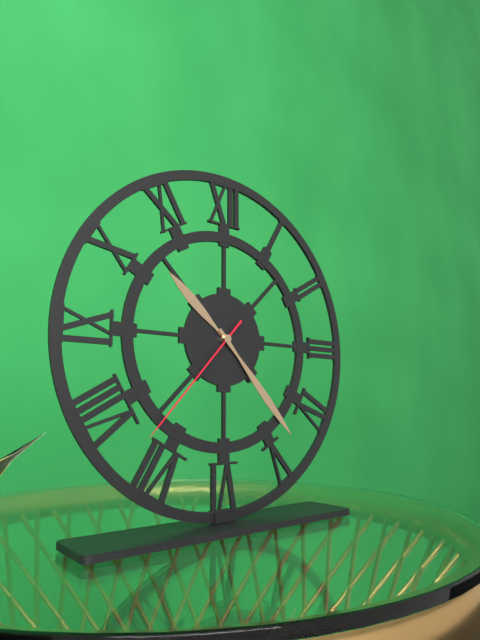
{"hour": 10, "minute": 23, "second": 37}
